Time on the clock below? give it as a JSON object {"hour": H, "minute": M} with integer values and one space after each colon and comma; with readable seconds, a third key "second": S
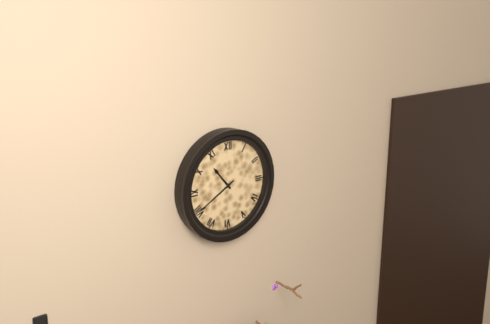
{"hour": 10, "minute": 40}
